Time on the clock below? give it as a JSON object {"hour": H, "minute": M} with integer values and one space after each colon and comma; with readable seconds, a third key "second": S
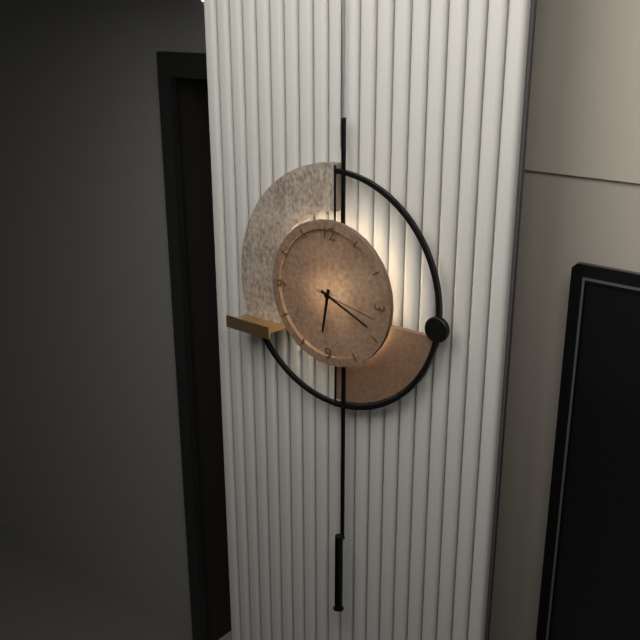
{"hour": 6, "minute": 19, "second": 17}
